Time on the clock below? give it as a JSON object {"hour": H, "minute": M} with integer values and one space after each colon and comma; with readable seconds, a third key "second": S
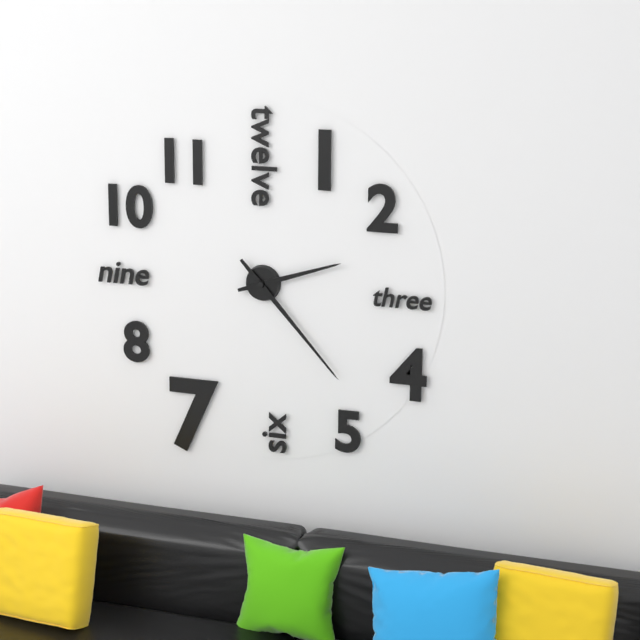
{"hour": 2, "minute": 23}
